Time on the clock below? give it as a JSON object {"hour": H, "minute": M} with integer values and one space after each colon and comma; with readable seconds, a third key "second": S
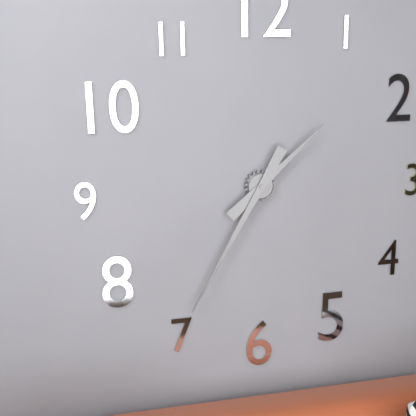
{"hour": 1, "minute": 35}
